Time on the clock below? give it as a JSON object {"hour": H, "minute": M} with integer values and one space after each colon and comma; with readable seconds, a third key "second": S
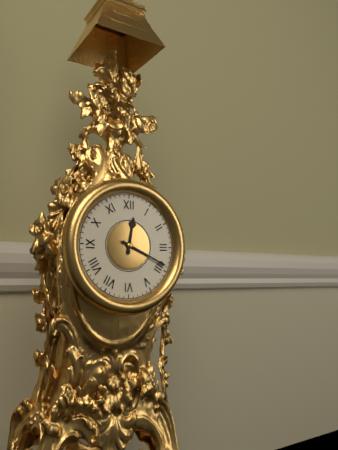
{"hour": 12, "minute": 19}
